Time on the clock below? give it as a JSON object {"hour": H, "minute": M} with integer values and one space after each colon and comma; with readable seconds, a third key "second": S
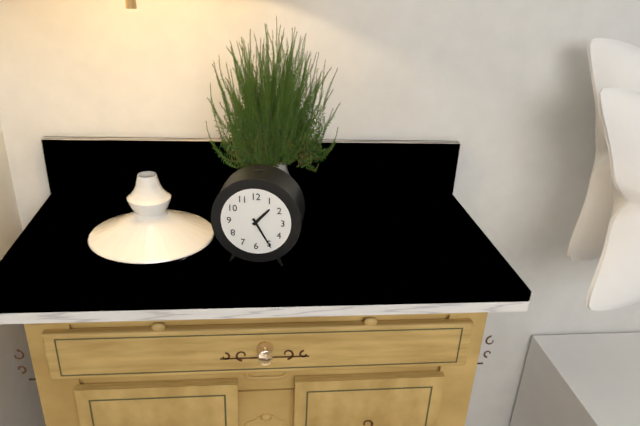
{"hour": 1, "minute": 25}
